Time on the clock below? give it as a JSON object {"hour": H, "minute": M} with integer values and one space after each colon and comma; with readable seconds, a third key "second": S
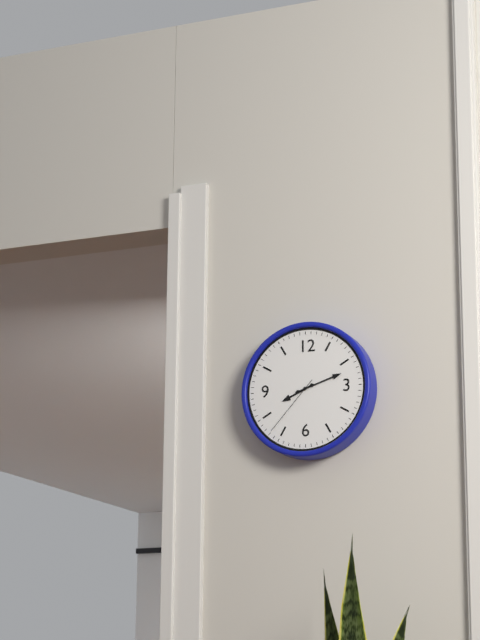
{"hour": 8, "minute": 12, "second": 37}
